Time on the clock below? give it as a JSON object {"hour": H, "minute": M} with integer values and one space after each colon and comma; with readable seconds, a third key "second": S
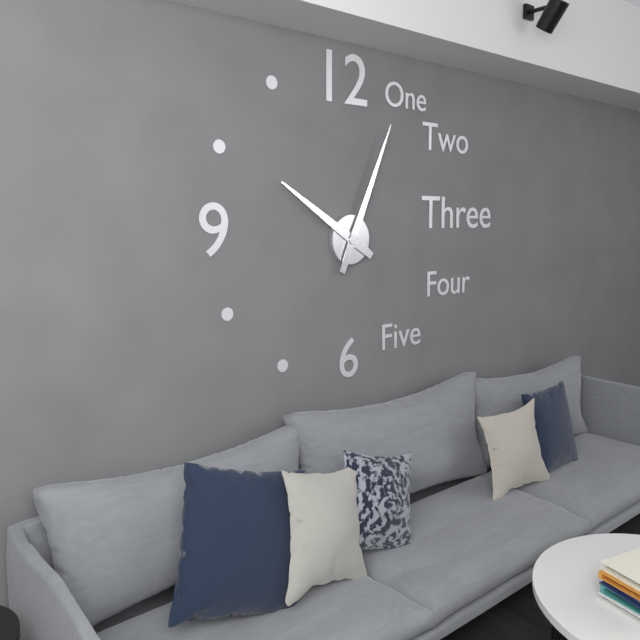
{"hour": 10, "minute": 4}
